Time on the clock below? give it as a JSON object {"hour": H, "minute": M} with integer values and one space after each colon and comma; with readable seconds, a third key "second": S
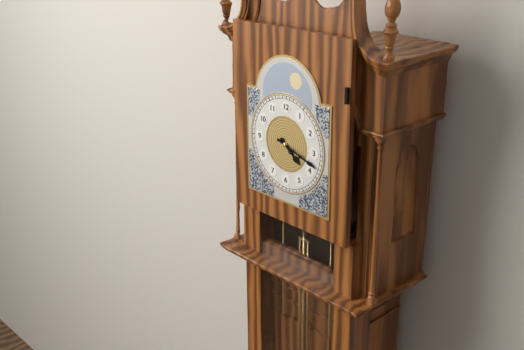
{"hour": 4, "minute": 18}
